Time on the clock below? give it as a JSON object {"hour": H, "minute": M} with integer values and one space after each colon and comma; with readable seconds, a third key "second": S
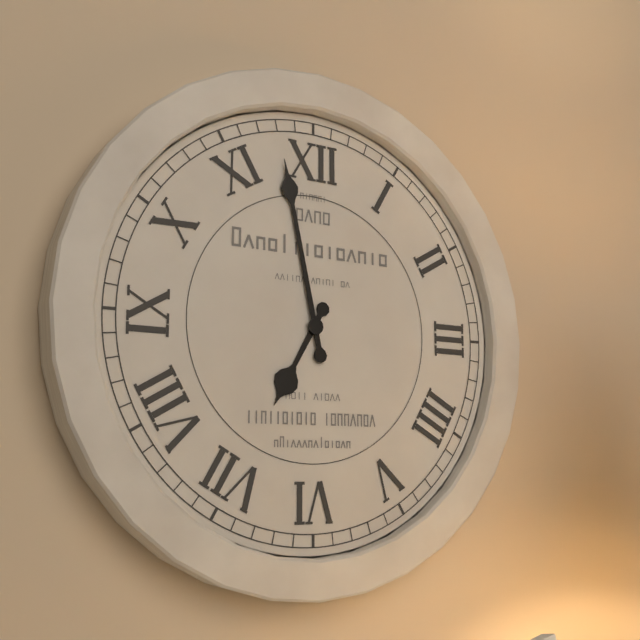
{"hour": 6, "minute": 58}
